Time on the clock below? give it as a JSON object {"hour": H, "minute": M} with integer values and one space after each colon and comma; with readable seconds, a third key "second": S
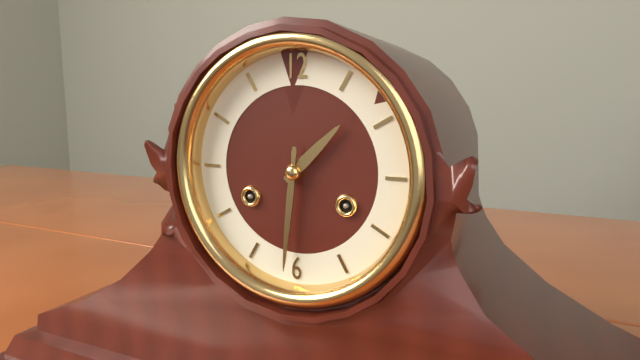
{"hour": 1, "minute": 31}
